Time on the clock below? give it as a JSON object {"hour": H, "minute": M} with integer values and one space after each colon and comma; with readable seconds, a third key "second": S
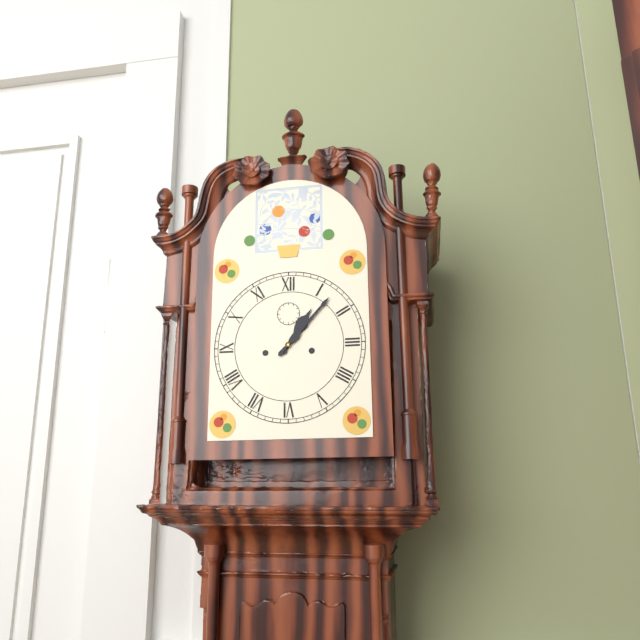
{"hour": 1, "minute": 7}
